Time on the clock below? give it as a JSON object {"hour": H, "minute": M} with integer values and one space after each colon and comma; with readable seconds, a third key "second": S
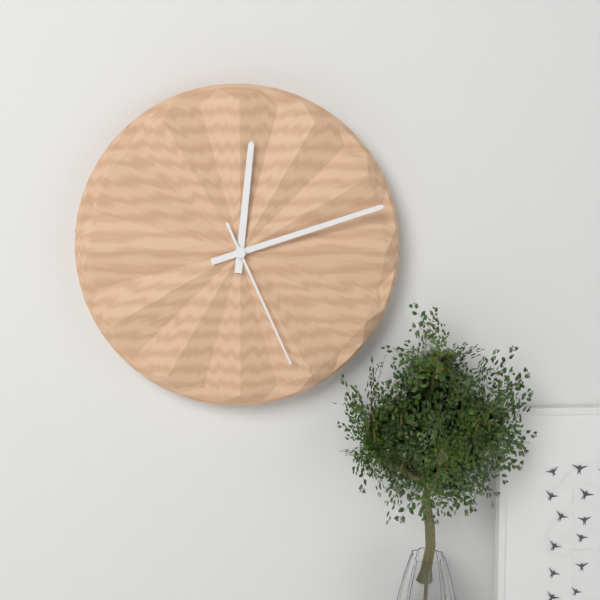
{"hour": 12, "minute": 12, "second": 26}
